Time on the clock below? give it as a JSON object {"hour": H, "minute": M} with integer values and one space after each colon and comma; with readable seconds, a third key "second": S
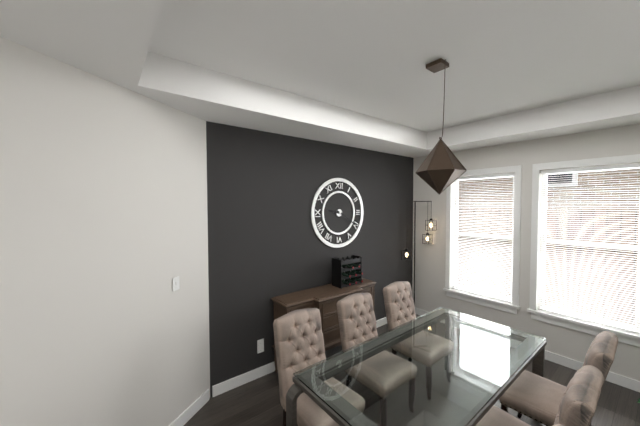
{"hour": 9, "minute": 20}
